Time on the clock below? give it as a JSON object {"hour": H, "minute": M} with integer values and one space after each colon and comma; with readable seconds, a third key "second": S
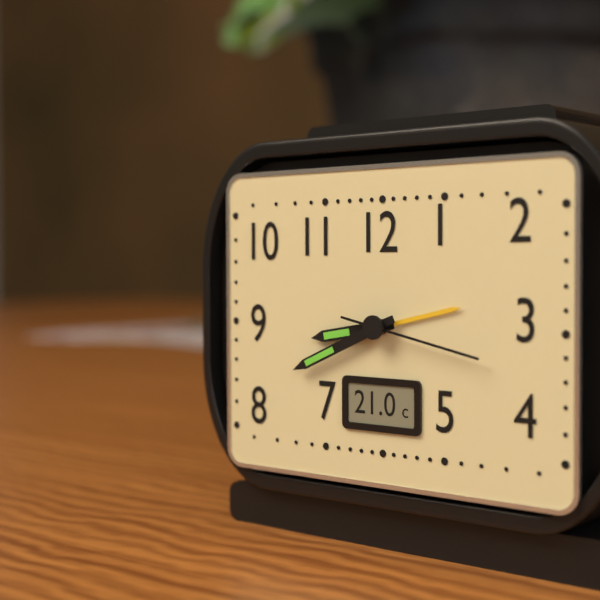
{"hour": 8, "minute": 41, "second": 17}
